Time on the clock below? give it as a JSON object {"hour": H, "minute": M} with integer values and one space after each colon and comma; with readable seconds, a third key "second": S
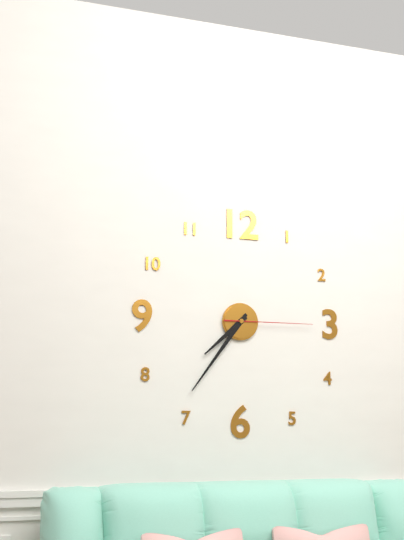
{"hour": 7, "minute": 36, "second": 15}
